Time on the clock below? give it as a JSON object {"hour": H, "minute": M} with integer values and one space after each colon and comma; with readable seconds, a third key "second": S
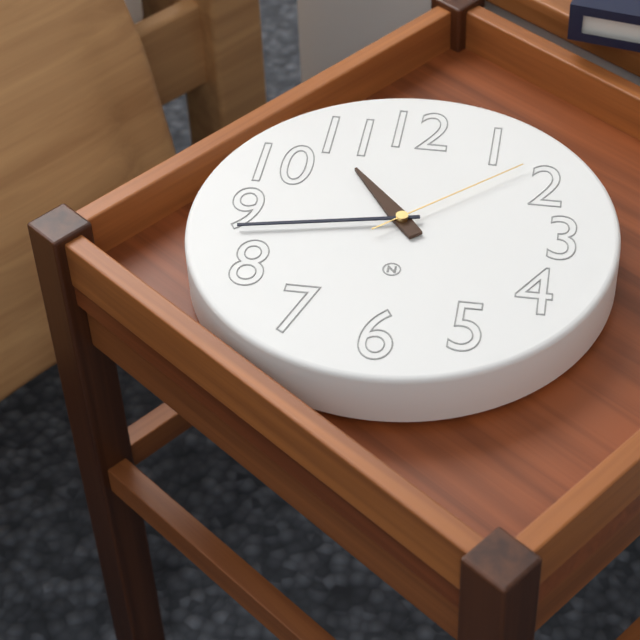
{"hour": 10, "minute": 43, "second": 8}
